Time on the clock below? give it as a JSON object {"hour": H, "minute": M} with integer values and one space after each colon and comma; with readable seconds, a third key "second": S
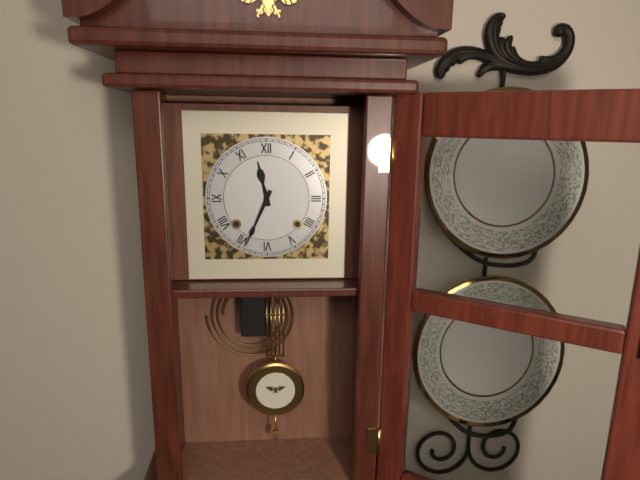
{"hour": 11, "minute": 34}
